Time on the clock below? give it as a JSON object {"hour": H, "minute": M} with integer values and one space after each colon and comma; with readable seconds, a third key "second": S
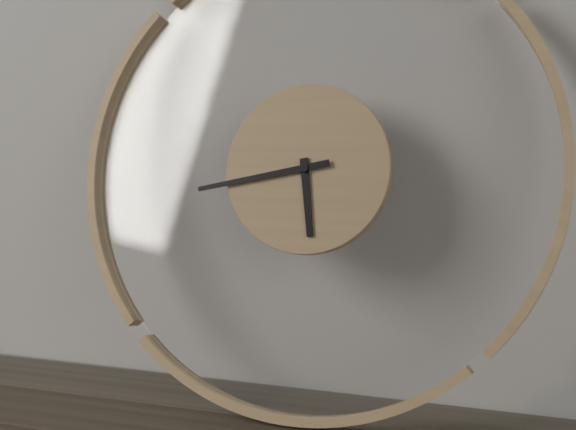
{"hour": 5, "minute": 43}
